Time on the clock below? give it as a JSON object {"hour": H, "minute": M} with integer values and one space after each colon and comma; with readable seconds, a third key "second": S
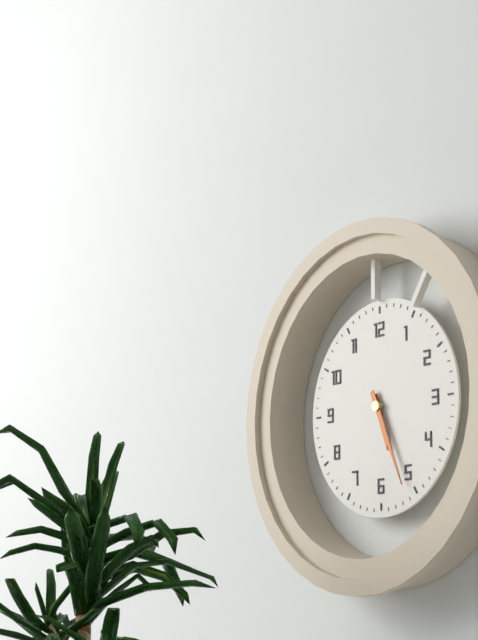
{"hour": 5, "minute": 26}
